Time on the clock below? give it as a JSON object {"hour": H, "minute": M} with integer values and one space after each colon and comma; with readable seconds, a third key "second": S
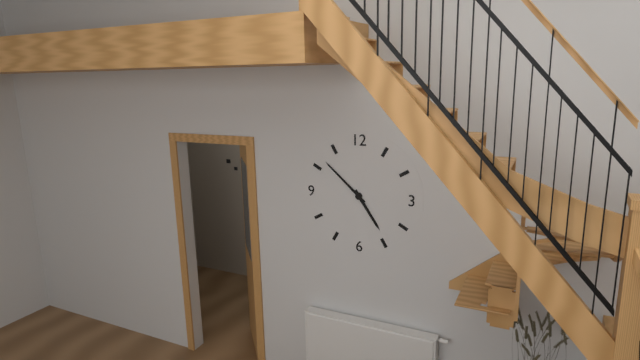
{"hour": 4, "minute": 52}
